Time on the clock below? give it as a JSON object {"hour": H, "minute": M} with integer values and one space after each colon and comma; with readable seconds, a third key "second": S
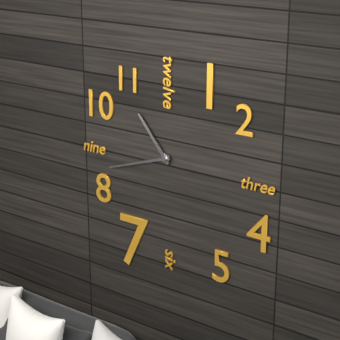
{"hour": 10, "minute": 42}
